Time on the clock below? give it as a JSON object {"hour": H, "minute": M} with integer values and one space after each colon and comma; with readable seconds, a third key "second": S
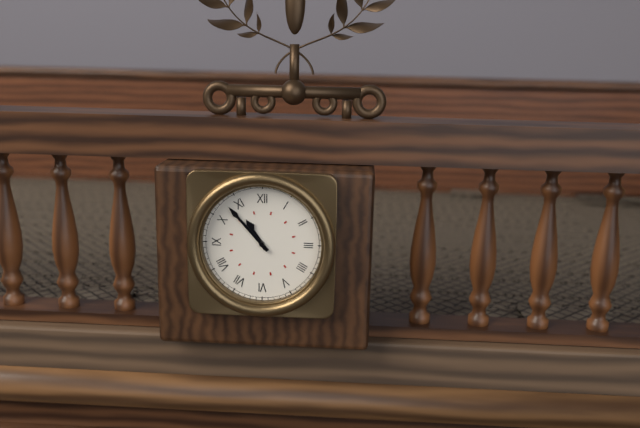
{"hour": 10, "minute": 53}
